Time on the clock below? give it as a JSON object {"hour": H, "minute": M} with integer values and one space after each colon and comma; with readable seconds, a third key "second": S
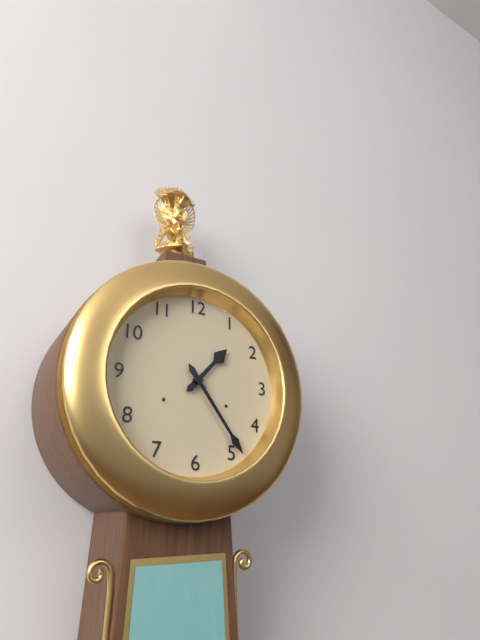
{"hour": 1, "minute": 24}
